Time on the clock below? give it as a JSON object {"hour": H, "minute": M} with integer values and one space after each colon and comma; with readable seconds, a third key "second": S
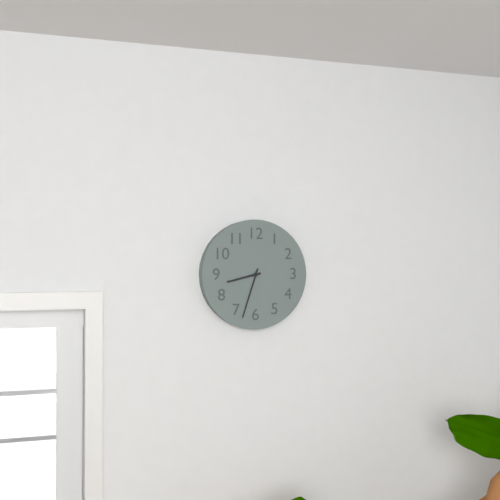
{"hour": 8, "minute": 33}
